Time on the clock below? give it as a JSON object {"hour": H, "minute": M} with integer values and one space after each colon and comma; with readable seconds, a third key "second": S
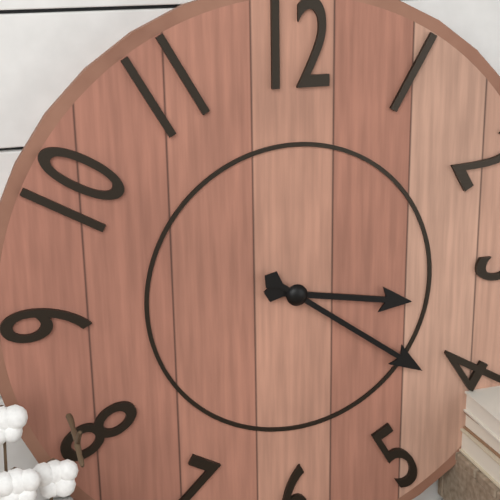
{"hour": 3, "minute": 21}
